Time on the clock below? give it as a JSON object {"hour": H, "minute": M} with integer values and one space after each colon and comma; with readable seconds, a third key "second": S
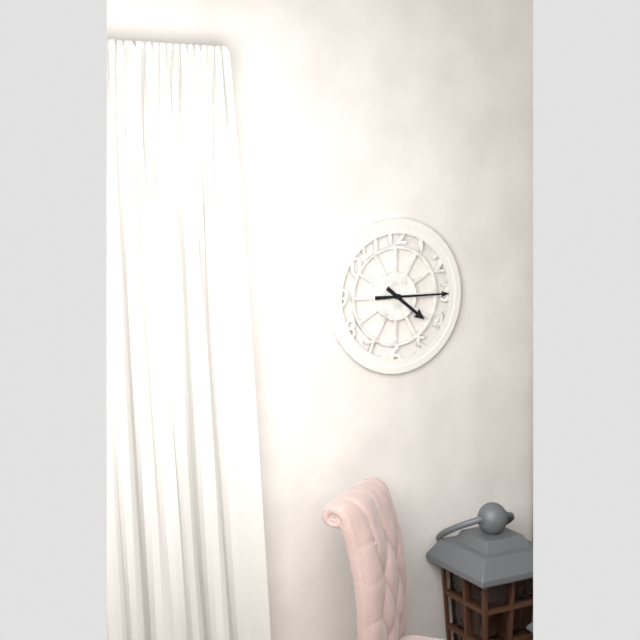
{"hour": 4, "minute": 15}
